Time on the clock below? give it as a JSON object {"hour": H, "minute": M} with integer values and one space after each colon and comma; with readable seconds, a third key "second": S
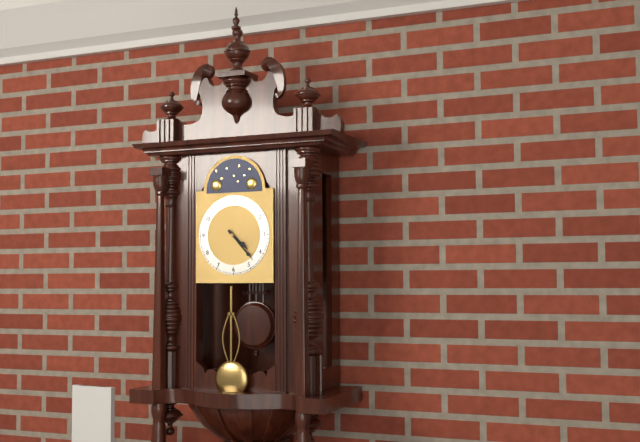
{"hour": 4, "minute": 23}
